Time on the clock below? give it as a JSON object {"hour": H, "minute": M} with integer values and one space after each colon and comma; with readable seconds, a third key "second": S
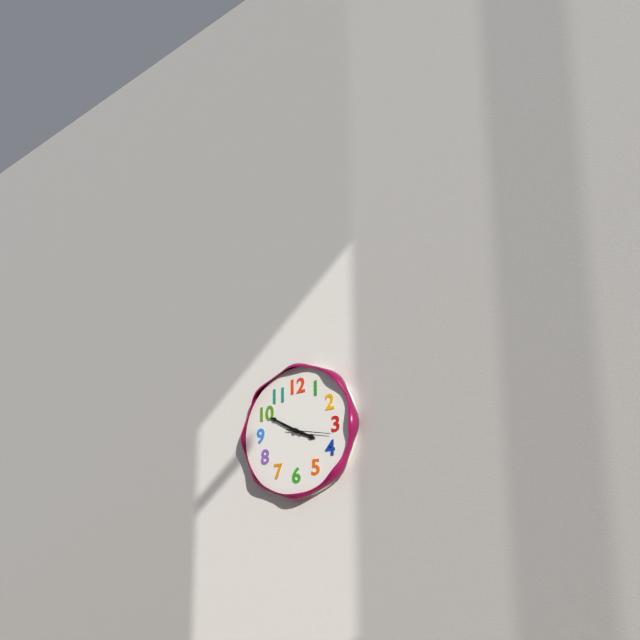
{"hour": 3, "minute": 50}
